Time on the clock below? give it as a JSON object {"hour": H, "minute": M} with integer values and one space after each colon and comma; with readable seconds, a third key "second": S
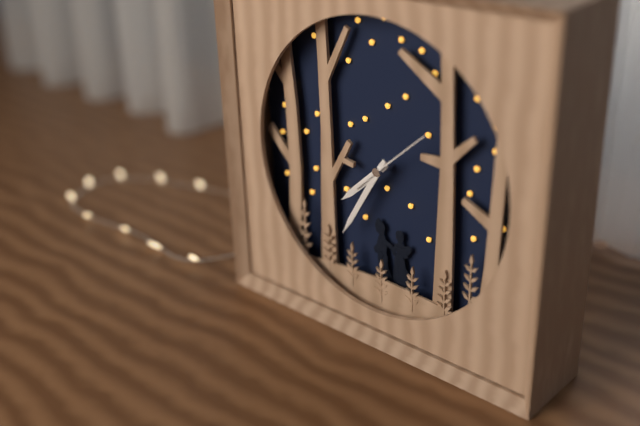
{"hour": 7, "minute": 35, "second": 8}
